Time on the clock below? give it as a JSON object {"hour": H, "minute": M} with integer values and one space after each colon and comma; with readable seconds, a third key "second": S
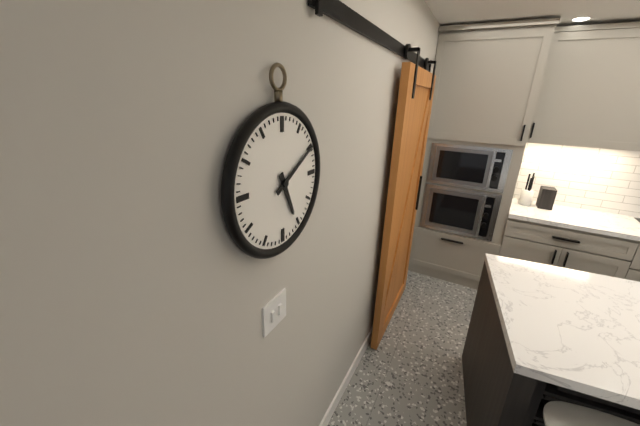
{"hour": 5, "minute": 10}
